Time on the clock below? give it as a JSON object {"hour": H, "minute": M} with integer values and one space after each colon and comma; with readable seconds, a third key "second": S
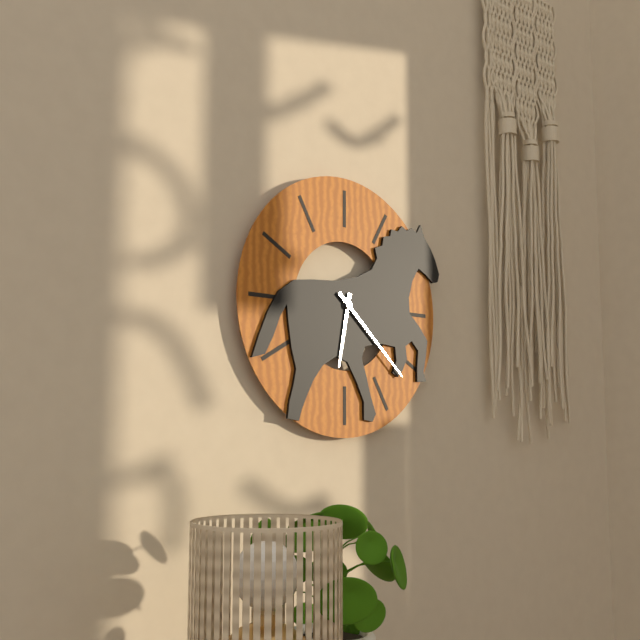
{"hour": 6, "minute": 22}
